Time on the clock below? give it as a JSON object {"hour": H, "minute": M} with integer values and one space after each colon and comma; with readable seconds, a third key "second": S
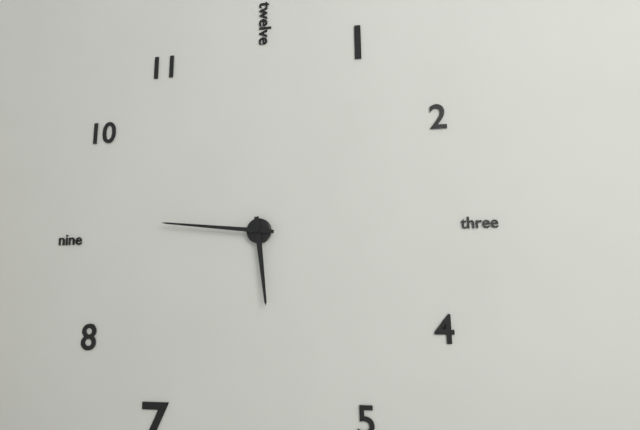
{"hour": 5, "minute": 46}
